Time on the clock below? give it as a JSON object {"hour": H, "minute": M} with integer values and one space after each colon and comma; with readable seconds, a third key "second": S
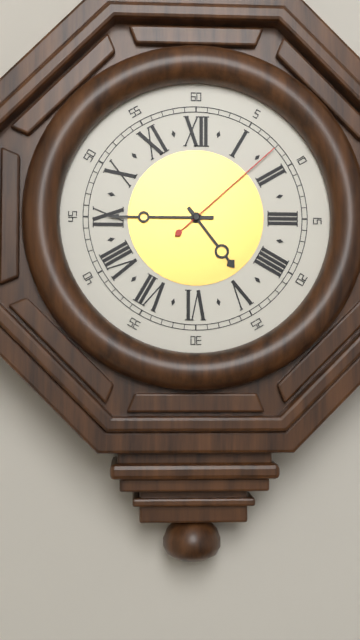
{"hour": 4, "minute": 45, "second": 8}
